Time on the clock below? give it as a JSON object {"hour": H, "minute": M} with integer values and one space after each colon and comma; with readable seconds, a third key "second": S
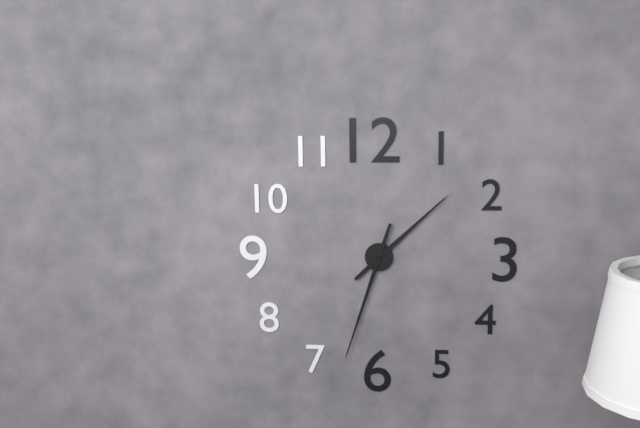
{"hour": 1, "minute": 33}
